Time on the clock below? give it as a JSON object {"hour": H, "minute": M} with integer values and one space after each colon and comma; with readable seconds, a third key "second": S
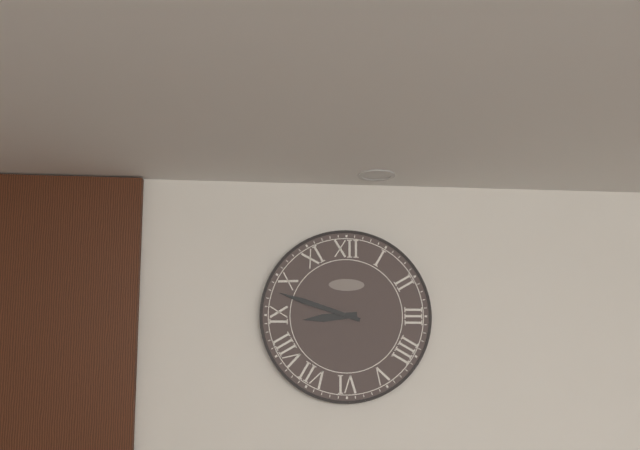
{"hour": 8, "minute": 48}
